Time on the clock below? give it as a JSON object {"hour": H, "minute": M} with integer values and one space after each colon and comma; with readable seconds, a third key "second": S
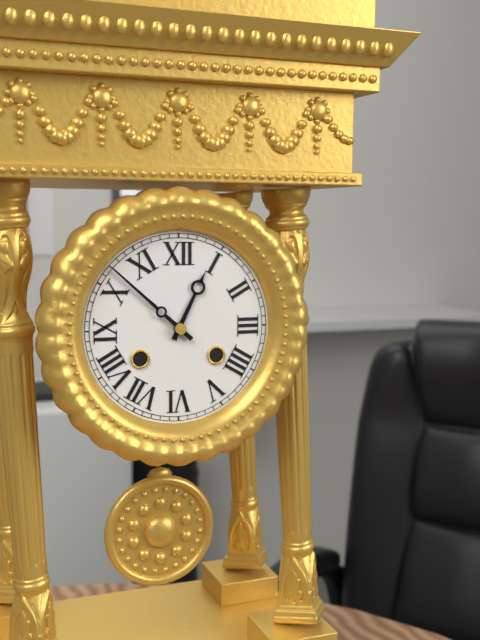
{"hour": 12, "minute": 52}
